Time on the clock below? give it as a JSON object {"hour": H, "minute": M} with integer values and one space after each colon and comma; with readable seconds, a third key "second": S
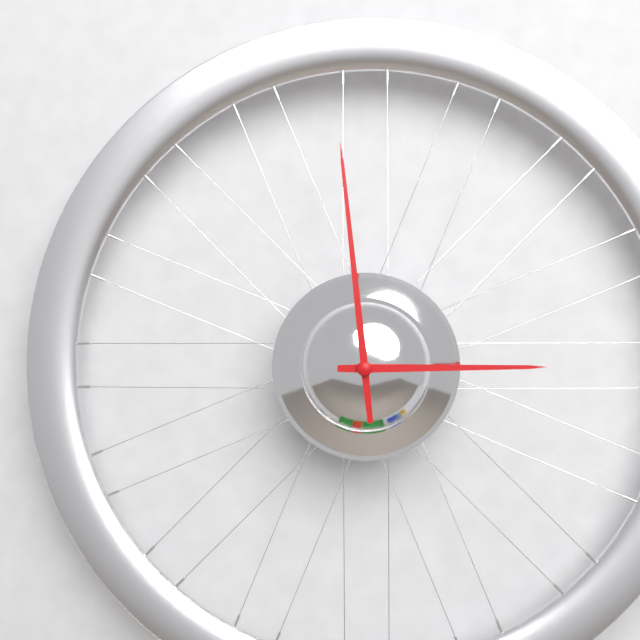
{"hour": 2, "minute": 59}
